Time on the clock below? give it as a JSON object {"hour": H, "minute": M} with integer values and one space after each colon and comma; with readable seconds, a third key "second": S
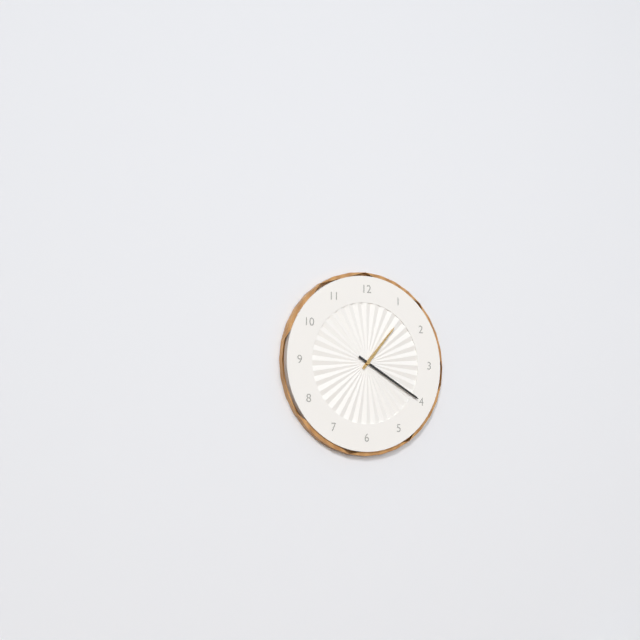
{"hour": 1, "minute": 20}
